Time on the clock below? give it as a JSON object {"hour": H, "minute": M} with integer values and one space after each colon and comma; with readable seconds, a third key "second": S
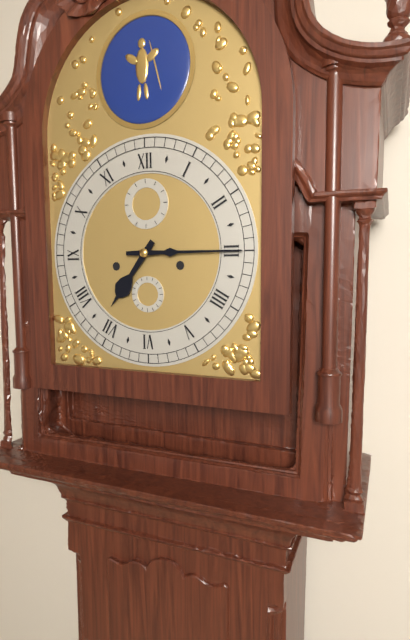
{"hour": 7, "minute": 15}
